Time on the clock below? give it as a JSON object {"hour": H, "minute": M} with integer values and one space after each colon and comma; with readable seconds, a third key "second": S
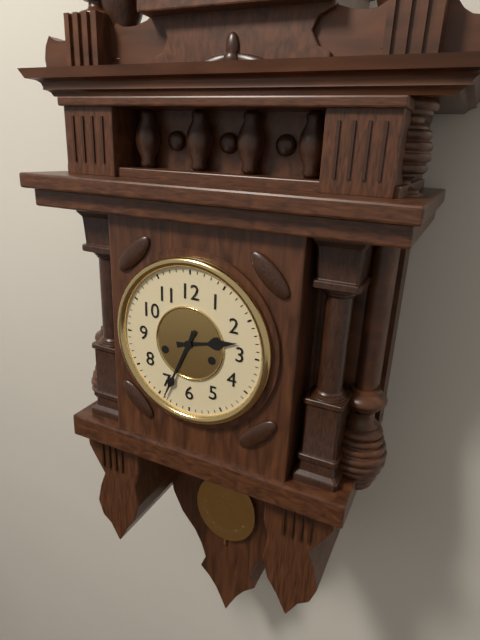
{"hour": 2, "minute": 34}
